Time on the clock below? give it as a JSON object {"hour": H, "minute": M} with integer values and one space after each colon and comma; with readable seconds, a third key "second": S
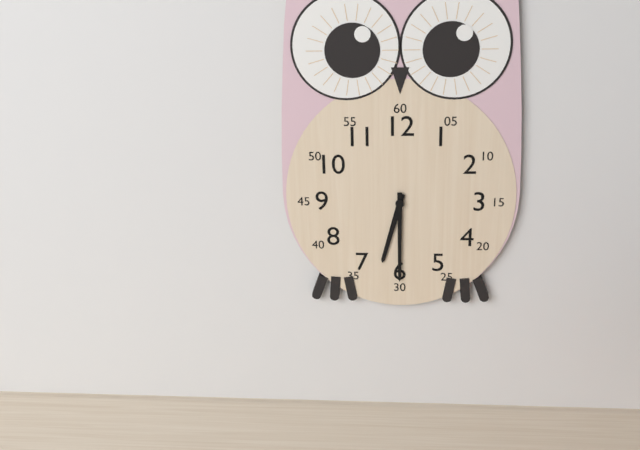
{"hour": 6, "minute": 30}
